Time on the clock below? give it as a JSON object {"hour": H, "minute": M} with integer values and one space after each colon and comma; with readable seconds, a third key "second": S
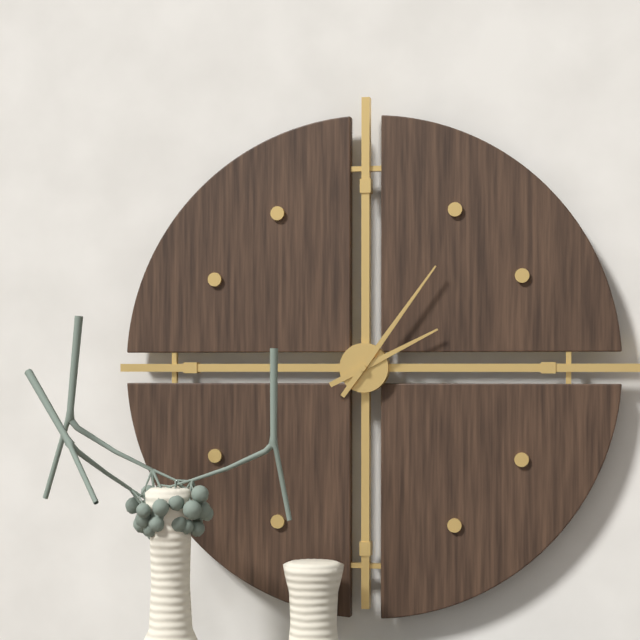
{"hour": 2, "minute": 6}
